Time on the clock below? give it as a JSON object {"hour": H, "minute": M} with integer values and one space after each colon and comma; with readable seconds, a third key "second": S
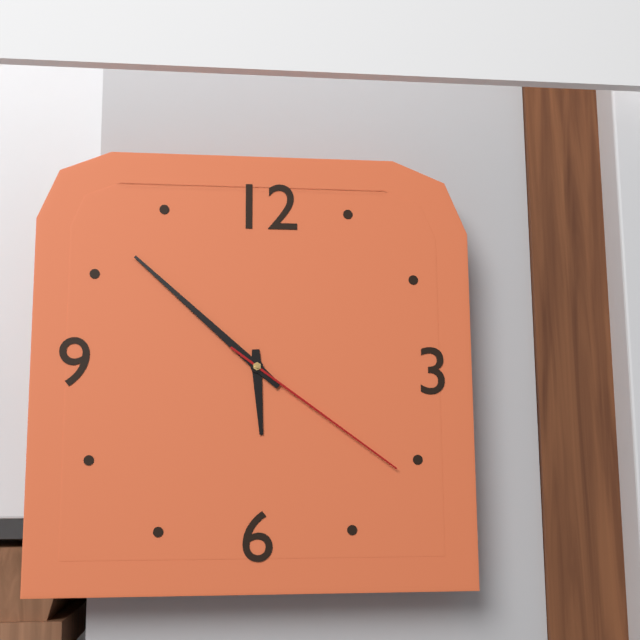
{"hour": 5, "minute": 52, "second": 21}
